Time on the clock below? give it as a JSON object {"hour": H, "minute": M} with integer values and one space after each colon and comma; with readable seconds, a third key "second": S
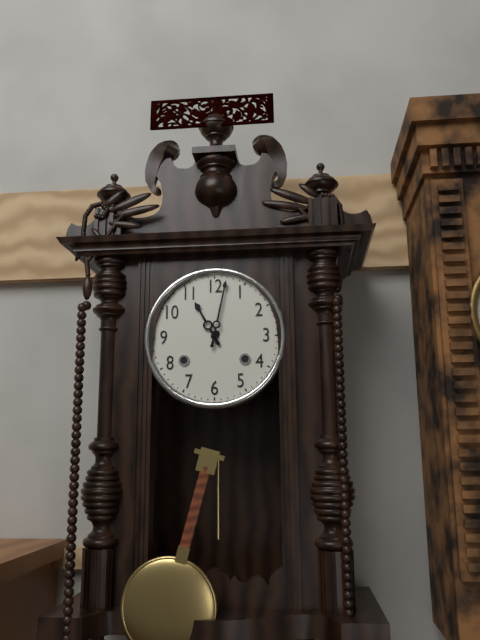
{"hour": 11, "minute": 2}
